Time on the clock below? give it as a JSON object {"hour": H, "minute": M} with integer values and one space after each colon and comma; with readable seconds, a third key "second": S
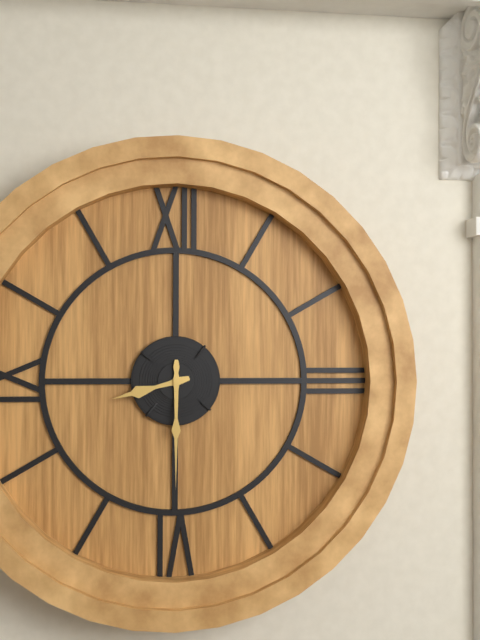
{"hour": 8, "minute": 30}
